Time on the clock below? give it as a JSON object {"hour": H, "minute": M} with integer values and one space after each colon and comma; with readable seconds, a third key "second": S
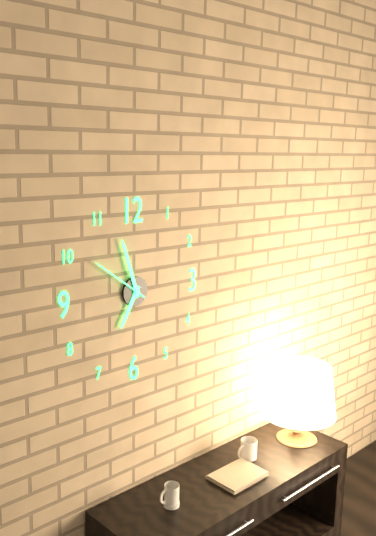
{"hour": 6, "minute": 57, "second": 51}
